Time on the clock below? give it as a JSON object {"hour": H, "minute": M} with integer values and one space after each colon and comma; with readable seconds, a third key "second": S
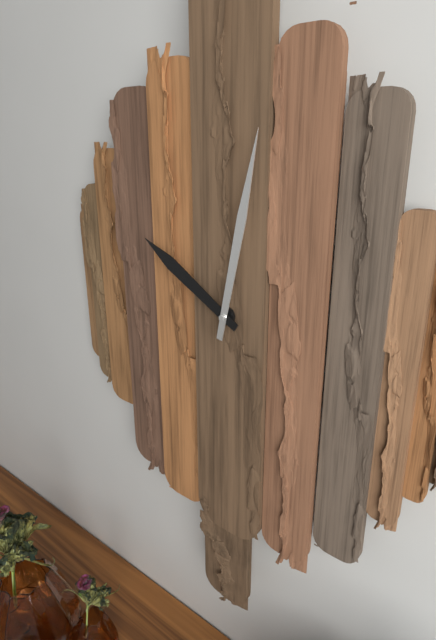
{"hour": 10, "minute": 2}
